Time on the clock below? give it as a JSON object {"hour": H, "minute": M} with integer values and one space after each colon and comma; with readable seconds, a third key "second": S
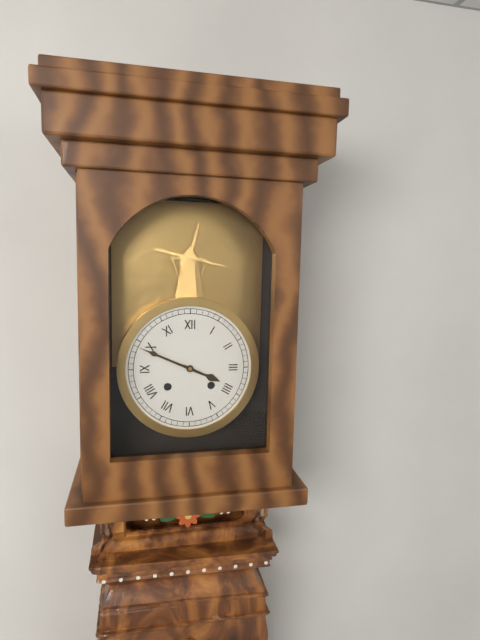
{"hour": 3, "minute": 49}
